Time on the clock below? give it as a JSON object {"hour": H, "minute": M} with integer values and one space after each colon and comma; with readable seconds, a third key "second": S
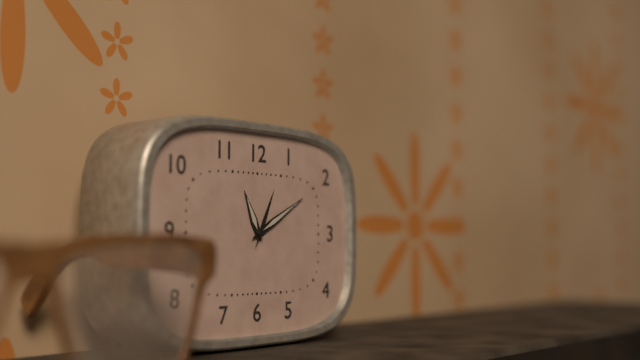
{"hour": 11, "minute": 10, "second": 4}
